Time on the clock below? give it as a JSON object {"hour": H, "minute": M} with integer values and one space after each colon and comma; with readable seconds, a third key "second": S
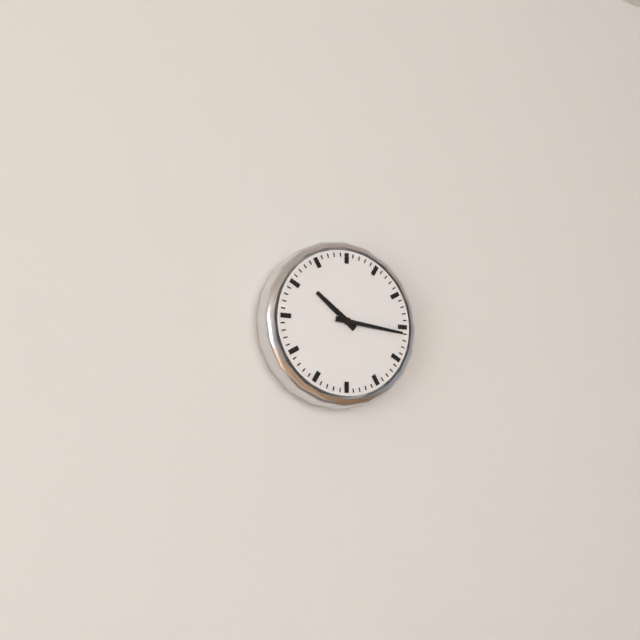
{"hour": 10, "minute": 16}
